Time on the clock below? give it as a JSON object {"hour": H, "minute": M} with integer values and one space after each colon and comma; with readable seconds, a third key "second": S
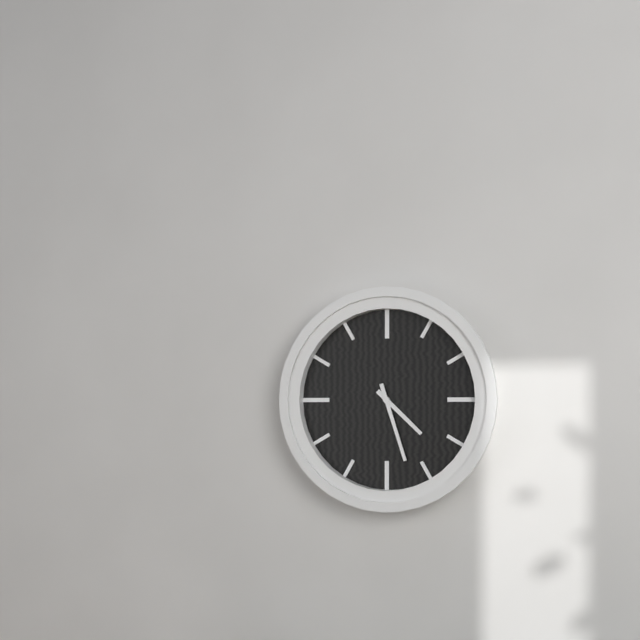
{"hour": 4, "minute": 27}
